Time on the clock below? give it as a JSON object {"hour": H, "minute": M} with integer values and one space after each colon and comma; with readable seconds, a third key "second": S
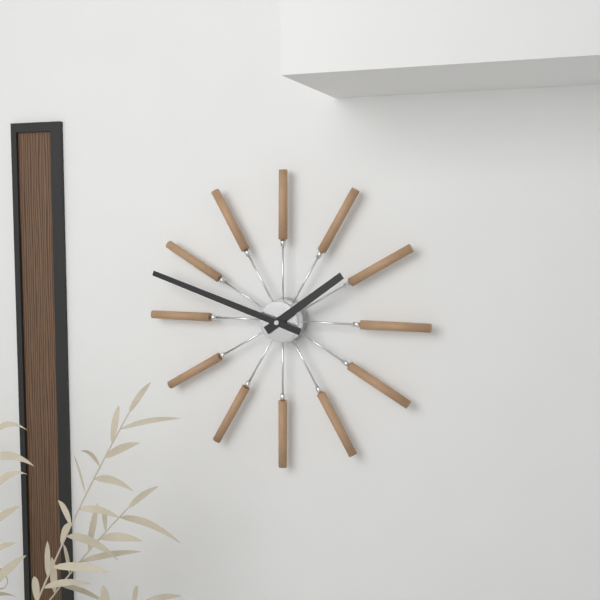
{"hour": 1, "minute": 48}
